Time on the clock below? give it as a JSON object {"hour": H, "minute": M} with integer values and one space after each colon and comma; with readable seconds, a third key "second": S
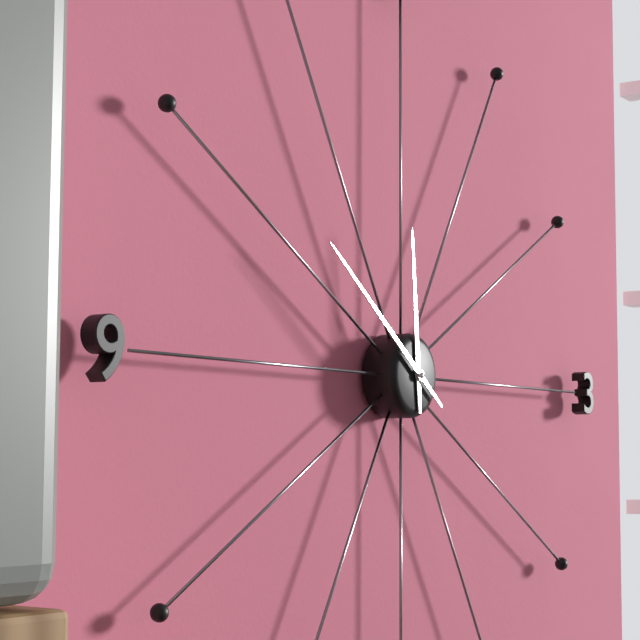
{"hour": 11, "minute": 51}
